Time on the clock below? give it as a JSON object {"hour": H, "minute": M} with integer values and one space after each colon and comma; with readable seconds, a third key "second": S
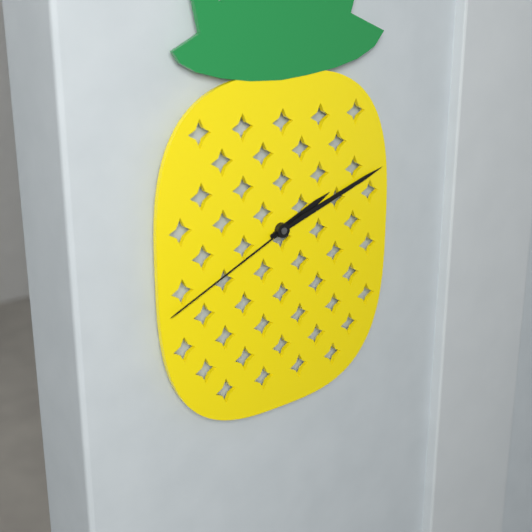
{"hour": 2, "minute": 12, "second": 41}
